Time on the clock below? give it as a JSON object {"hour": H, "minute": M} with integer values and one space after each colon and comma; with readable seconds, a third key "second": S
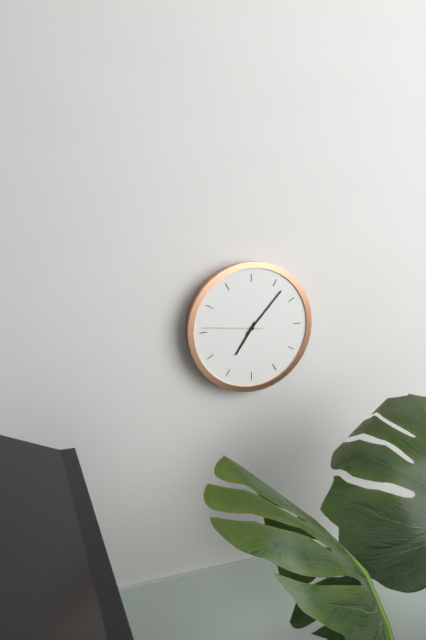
{"hour": 7, "minute": 7, "second": 46}
